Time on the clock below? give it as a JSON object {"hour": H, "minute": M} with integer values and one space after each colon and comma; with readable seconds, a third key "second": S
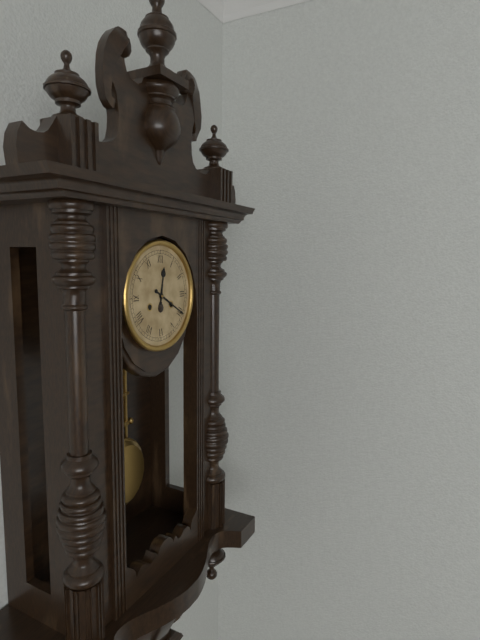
{"hour": 12, "minute": 20}
